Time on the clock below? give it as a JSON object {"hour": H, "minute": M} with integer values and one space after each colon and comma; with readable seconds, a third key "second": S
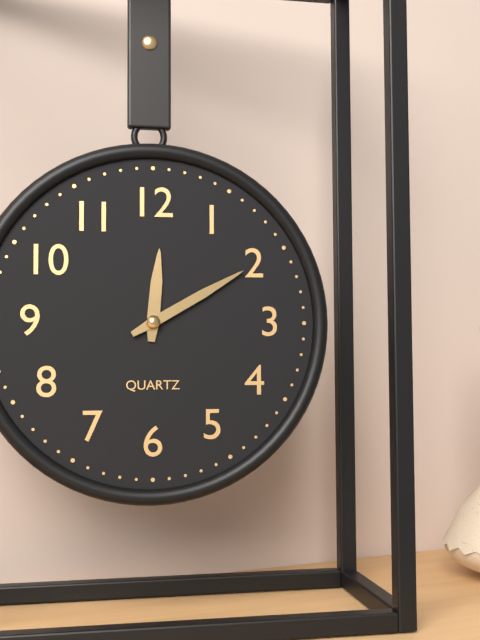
{"hour": 12, "minute": 10}
